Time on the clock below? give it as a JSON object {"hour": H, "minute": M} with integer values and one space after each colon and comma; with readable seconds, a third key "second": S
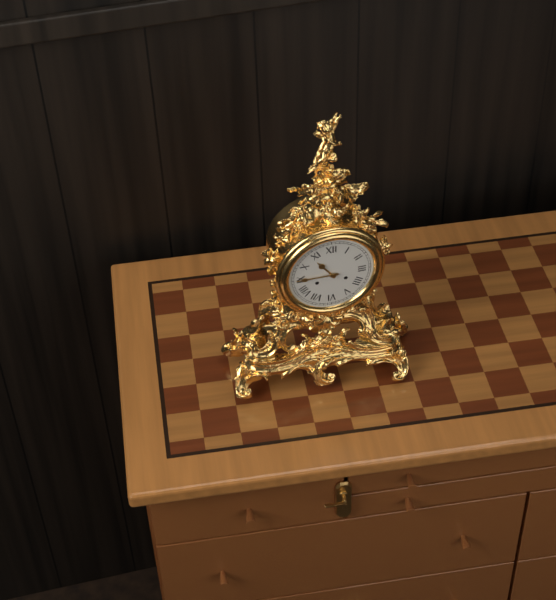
{"hour": 10, "minute": 45}
